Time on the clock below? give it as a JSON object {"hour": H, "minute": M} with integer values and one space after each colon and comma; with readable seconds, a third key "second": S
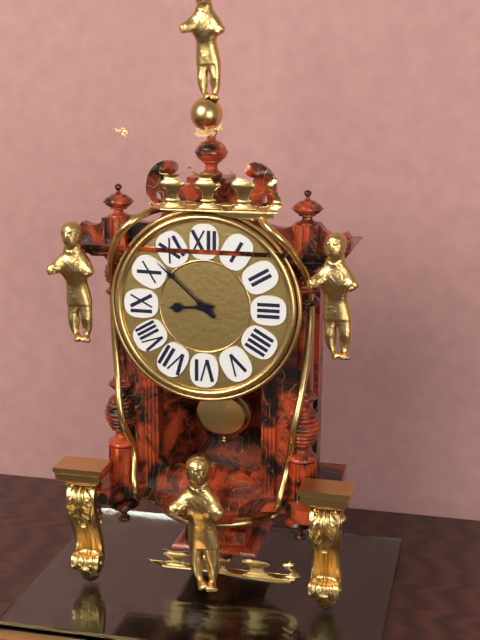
{"hour": 8, "minute": 52}
